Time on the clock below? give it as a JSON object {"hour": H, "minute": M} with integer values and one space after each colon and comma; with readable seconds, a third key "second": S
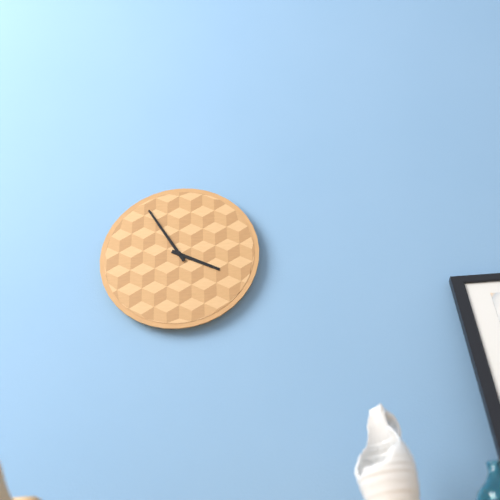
{"hour": 3, "minute": 55}
